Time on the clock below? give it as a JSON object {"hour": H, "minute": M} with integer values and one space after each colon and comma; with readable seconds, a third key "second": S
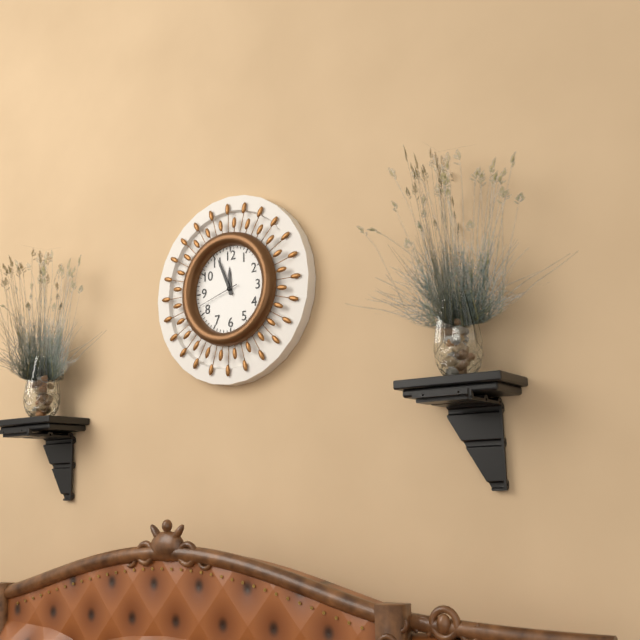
{"hour": 11, "minute": 56}
